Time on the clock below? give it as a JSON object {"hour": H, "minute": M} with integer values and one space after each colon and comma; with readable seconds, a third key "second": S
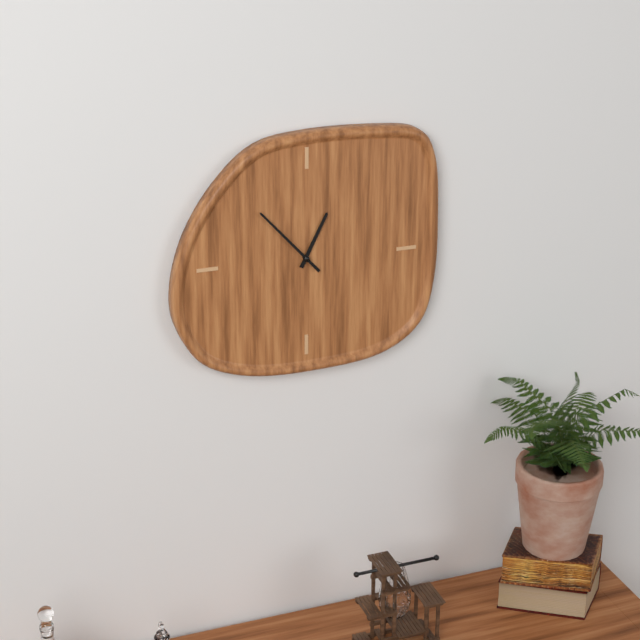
{"hour": 12, "minute": 53}
